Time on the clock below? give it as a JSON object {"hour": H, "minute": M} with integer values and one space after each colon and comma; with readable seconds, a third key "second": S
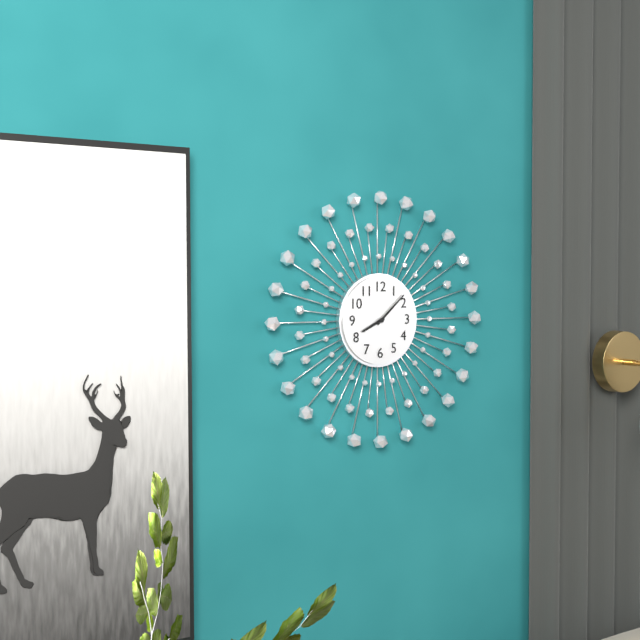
{"hour": 8, "minute": 8}
